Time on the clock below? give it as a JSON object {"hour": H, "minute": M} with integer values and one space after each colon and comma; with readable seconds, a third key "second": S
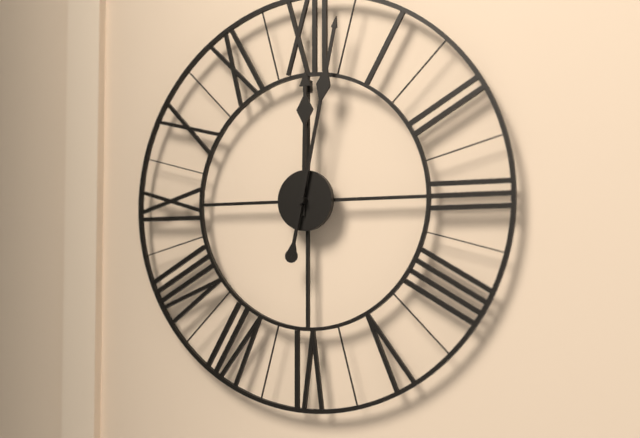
{"hour": 12, "minute": 2}
